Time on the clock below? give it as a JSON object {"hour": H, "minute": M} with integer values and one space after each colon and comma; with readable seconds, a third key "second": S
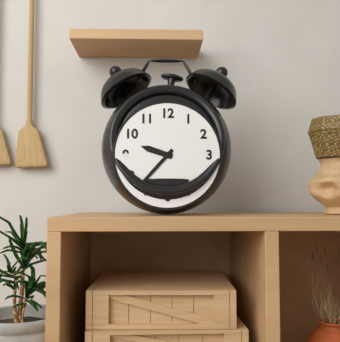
{"hour": 9, "minute": 37}
